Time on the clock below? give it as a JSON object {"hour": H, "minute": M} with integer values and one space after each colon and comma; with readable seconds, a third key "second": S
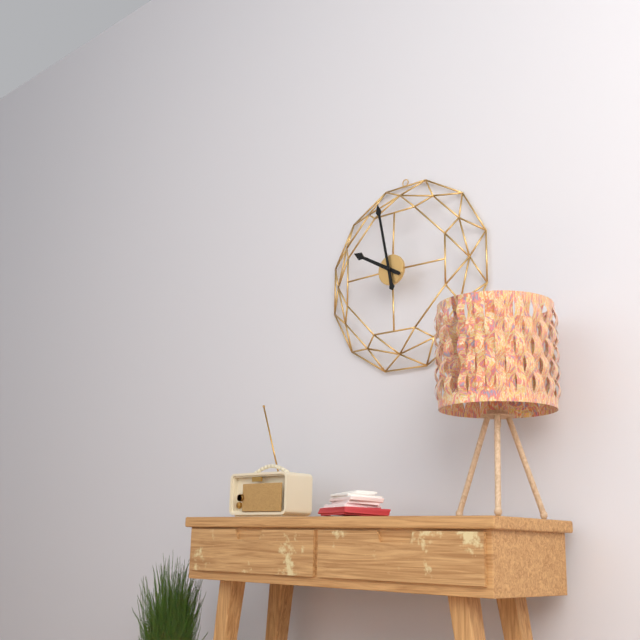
{"hour": 9, "minute": 58}
